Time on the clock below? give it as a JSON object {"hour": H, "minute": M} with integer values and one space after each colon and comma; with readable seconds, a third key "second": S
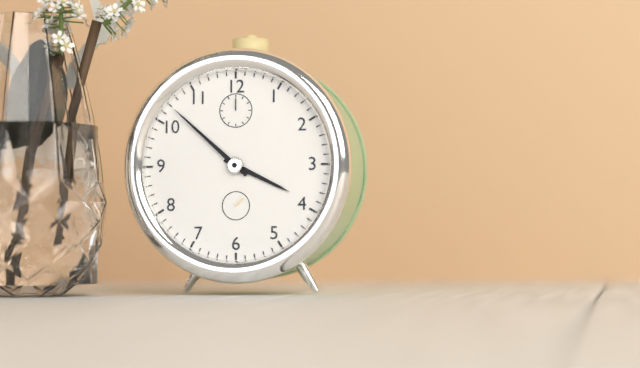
{"hour": 3, "minute": 52}
